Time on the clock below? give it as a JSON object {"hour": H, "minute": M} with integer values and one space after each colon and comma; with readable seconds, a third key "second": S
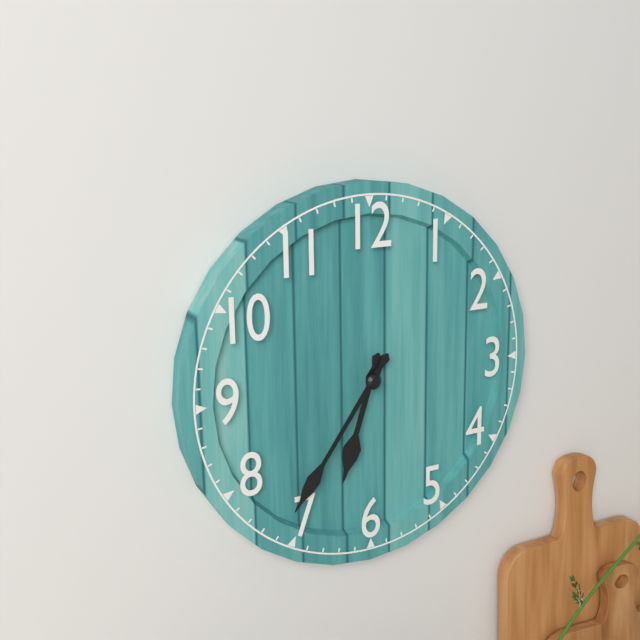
{"hour": 6, "minute": 36}
